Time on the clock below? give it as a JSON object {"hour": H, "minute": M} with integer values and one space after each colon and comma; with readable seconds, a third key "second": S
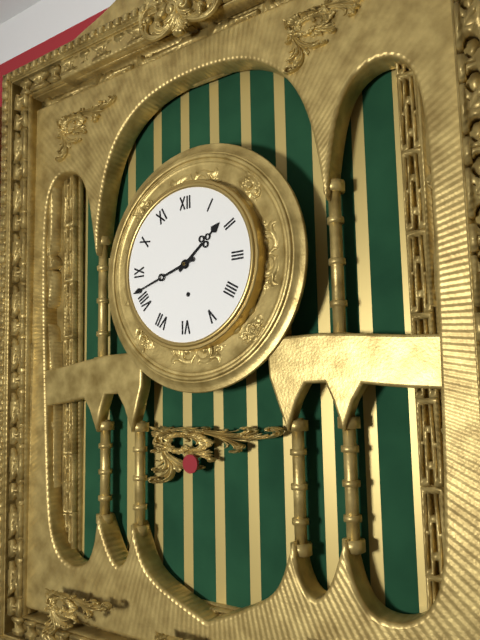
{"hour": 1, "minute": 42}
